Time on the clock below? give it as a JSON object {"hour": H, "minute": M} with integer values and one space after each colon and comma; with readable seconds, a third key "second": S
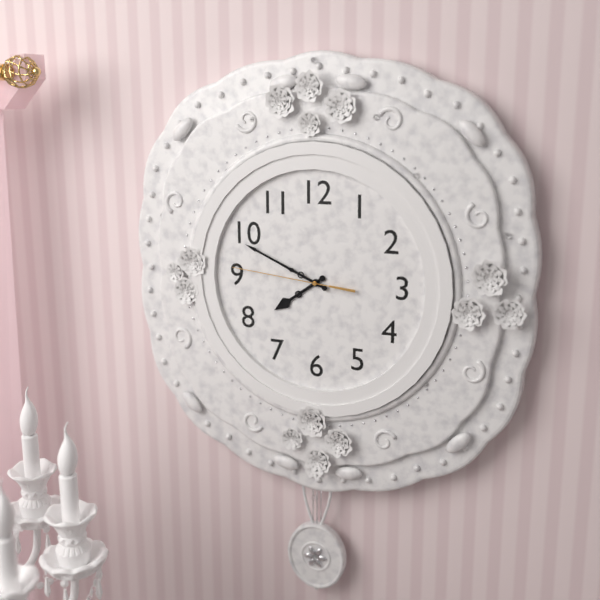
{"hour": 7, "minute": 49, "second": 46}
